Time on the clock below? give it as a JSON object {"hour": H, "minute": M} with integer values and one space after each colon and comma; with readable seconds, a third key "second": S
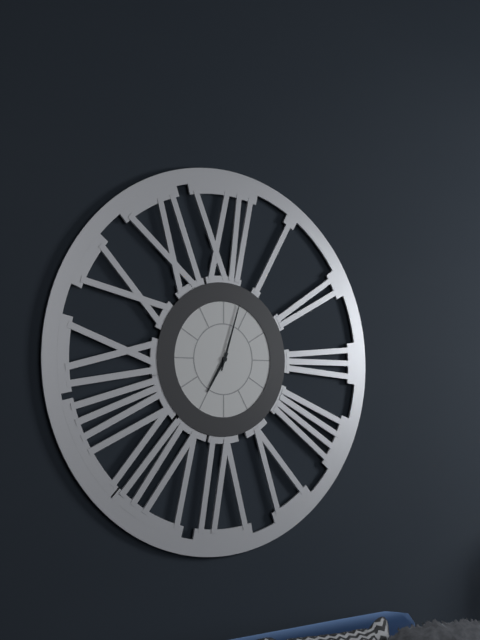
{"hour": 7, "minute": 3}
